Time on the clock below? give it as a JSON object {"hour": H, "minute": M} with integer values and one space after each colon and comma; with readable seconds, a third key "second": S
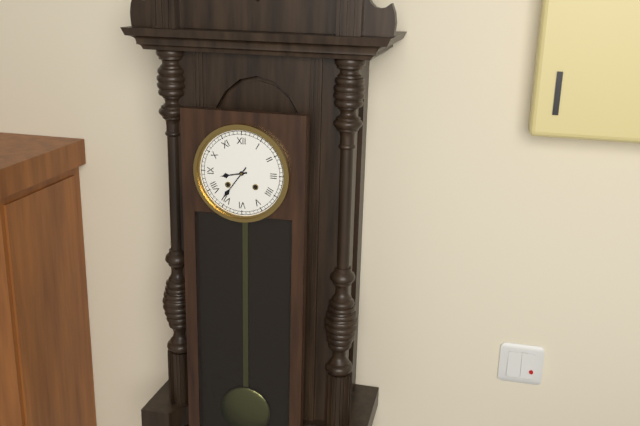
{"hour": 8, "minute": 36}
